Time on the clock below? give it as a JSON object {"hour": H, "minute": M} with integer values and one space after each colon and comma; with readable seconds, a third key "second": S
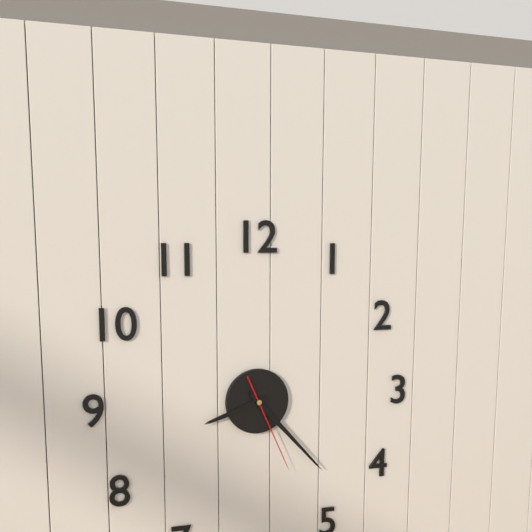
{"hour": 8, "minute": 23, "second": 26}
